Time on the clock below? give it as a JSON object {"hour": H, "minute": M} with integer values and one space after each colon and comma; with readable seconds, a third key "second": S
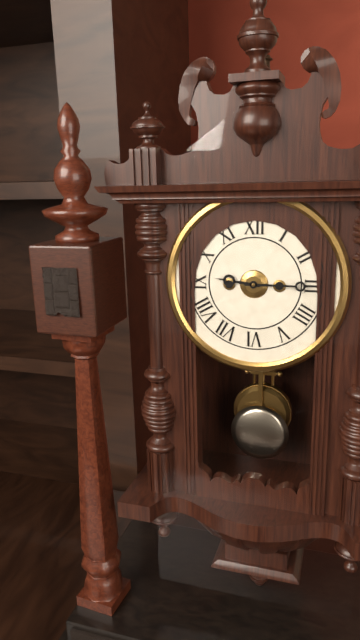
{"hour": 9, "minute": 15}
